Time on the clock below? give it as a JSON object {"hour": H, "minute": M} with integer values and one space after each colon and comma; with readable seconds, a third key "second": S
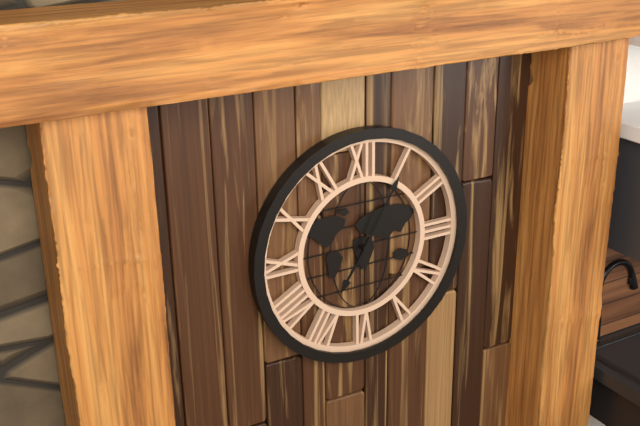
{"hour": 7, "minute": 5}
